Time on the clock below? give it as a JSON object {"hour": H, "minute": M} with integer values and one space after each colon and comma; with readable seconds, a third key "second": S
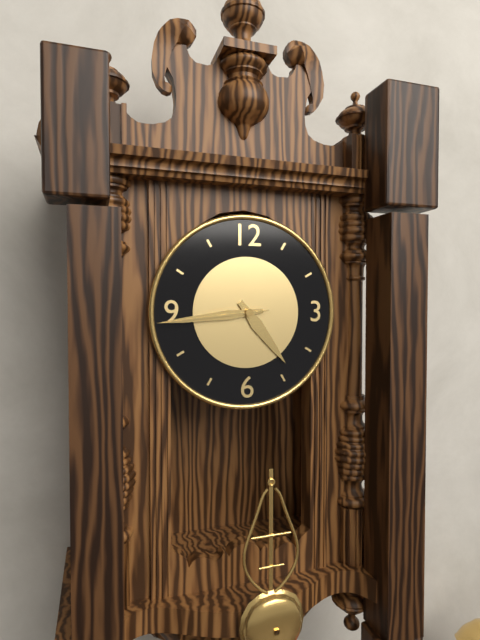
{"hour": 4, "minute": 44, "second": 44}
